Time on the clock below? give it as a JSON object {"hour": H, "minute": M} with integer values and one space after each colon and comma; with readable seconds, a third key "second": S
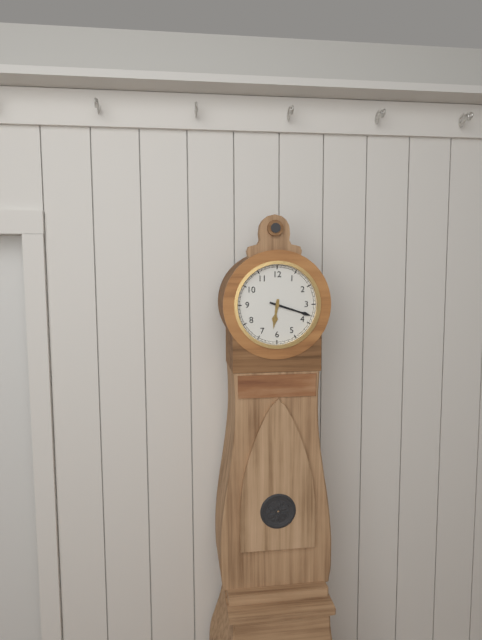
{"hour": 6, "minute": 18}
